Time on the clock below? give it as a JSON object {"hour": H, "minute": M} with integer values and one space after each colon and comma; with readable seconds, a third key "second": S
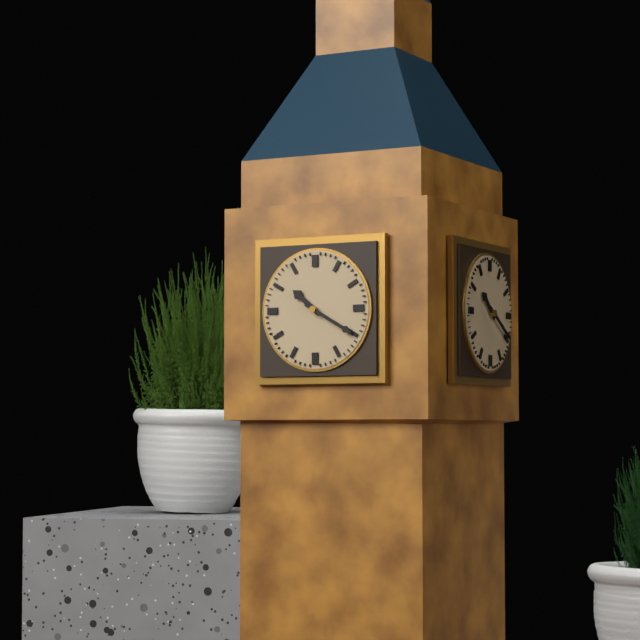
{"hour": 10, "minute": 20}
